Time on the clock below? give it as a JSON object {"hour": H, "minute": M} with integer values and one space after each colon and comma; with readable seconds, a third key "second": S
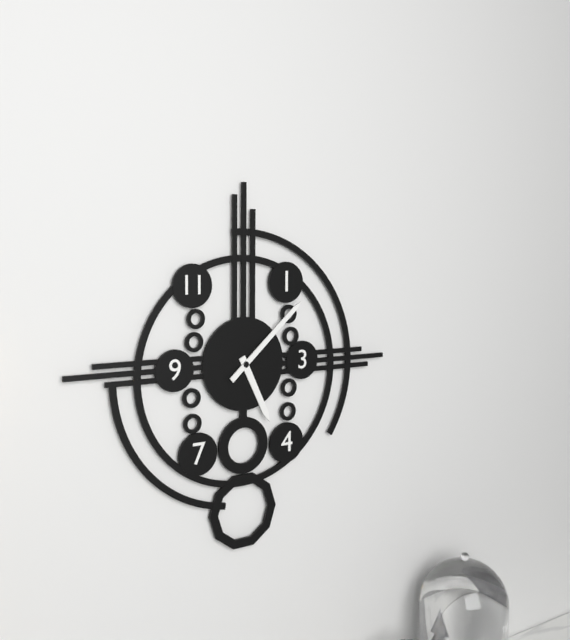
{"hour": 5, "minute": 8}
